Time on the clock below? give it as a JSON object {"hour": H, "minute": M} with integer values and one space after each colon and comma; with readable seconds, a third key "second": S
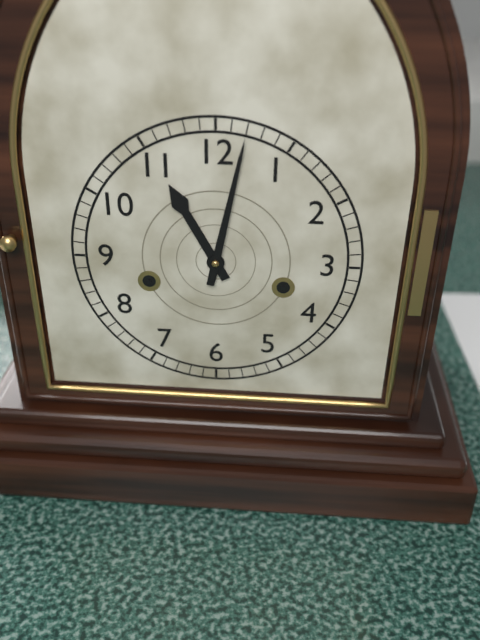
{"hour": 11, "minute": 2}
